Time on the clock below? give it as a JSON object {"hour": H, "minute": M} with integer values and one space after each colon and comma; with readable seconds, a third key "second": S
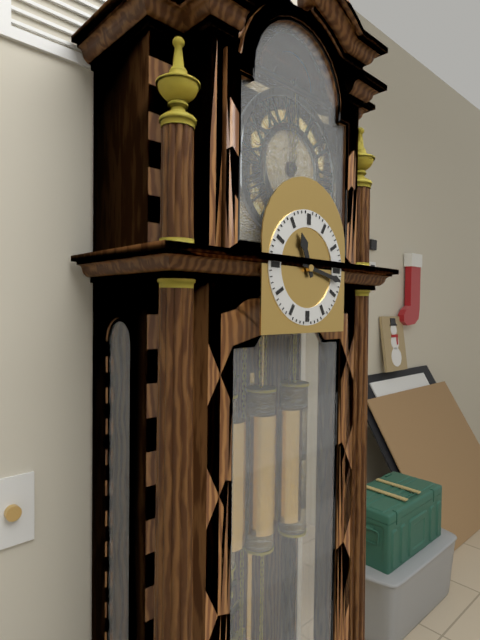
{"hour": 11, "minute": 17}
